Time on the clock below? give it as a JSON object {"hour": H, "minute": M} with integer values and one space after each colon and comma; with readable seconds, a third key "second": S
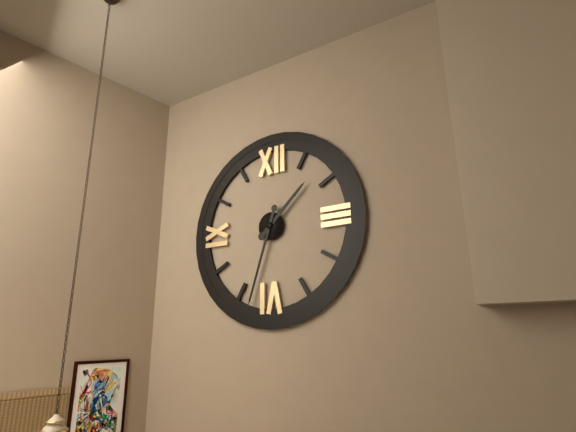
{"hour": 1, "minute": 33}
